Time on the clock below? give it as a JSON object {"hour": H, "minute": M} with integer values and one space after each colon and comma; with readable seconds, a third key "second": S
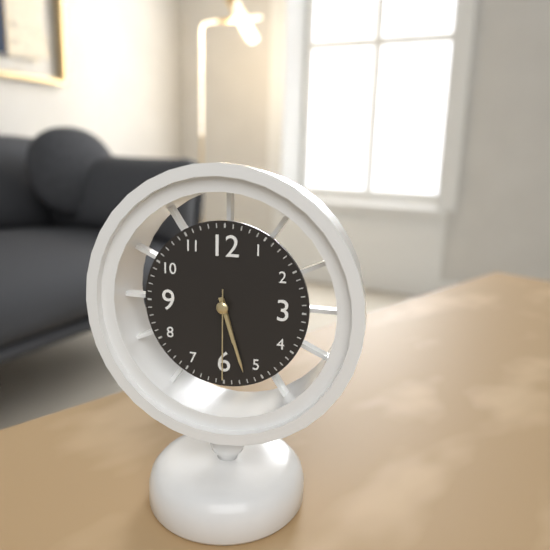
{"hour": 5, "minute": 27, "second": 30}
